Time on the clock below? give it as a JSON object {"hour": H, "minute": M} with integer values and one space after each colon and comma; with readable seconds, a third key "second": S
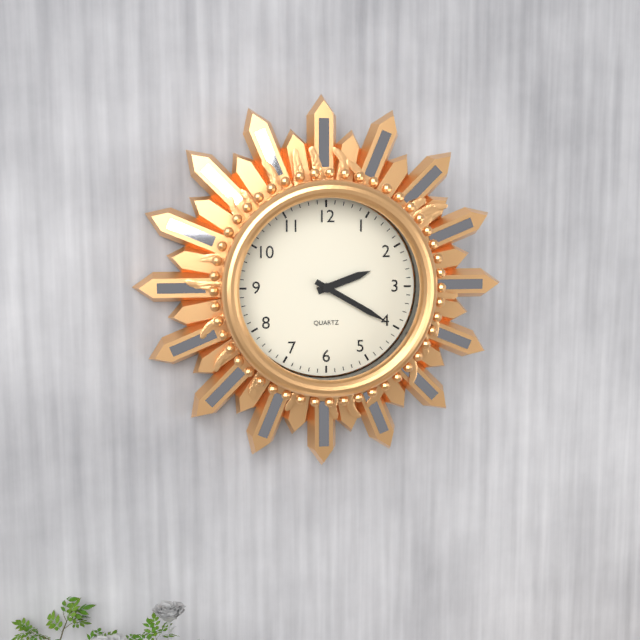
{"hour": 2, "minute": 20}
